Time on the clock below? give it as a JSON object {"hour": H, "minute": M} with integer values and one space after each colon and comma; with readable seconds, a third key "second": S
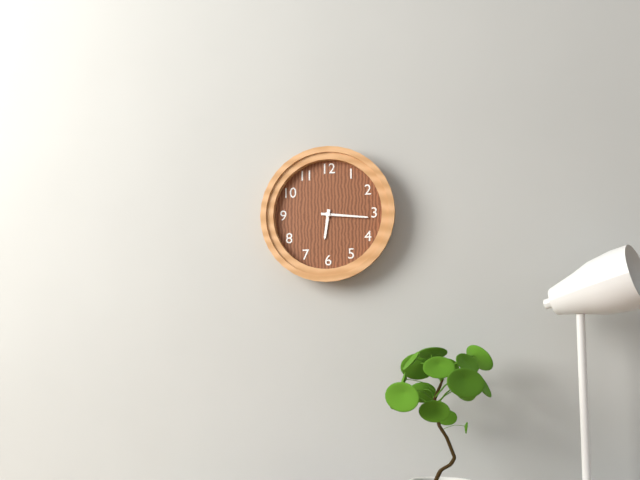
{"hour": 6, "minute": 16}
